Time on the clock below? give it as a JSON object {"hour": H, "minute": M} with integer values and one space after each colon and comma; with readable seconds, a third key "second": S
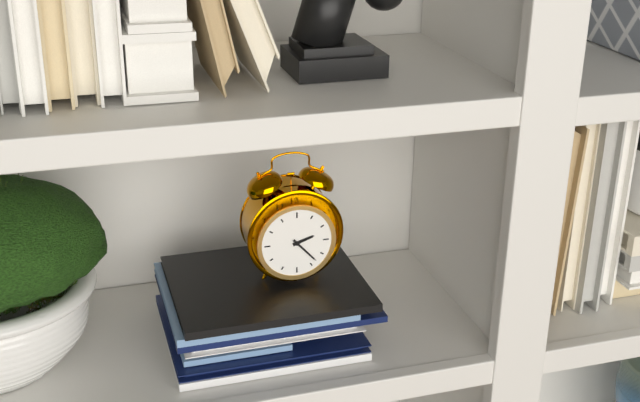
{"hour": 2, "minute": 23}
